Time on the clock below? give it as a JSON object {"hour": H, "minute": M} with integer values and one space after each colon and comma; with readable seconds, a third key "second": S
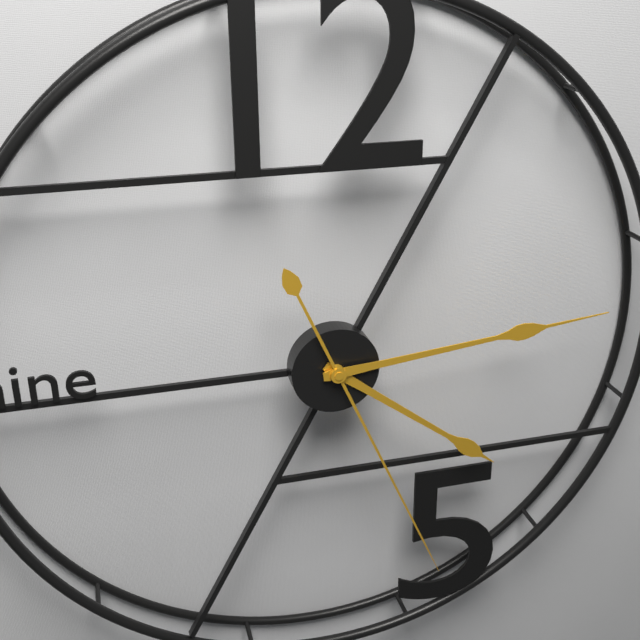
{"hour": 4, "minute": 14, "second": 26}
